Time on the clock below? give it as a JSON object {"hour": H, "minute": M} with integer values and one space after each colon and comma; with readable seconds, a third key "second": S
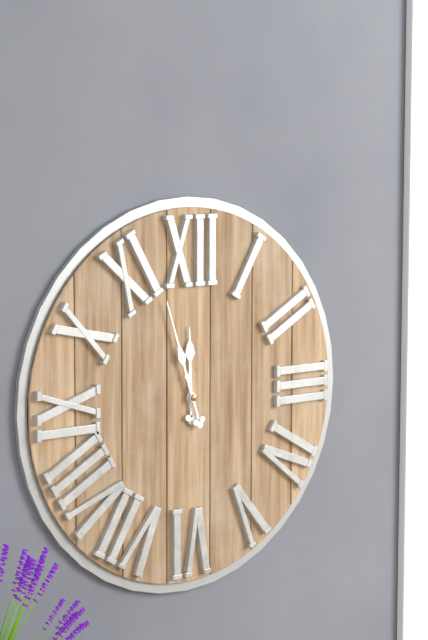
{"hour": 11, "minute": 57}
